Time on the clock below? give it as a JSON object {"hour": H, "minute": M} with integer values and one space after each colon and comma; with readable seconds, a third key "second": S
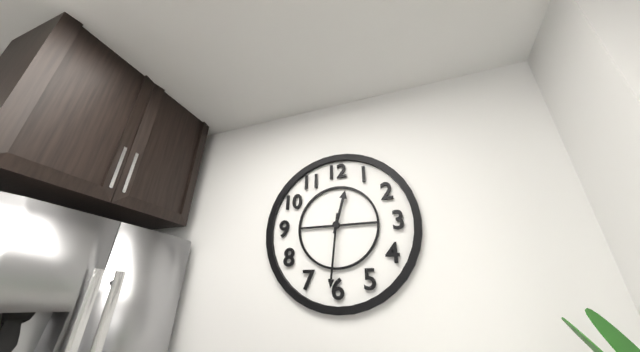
{"hour": 12, "minute": 31}
